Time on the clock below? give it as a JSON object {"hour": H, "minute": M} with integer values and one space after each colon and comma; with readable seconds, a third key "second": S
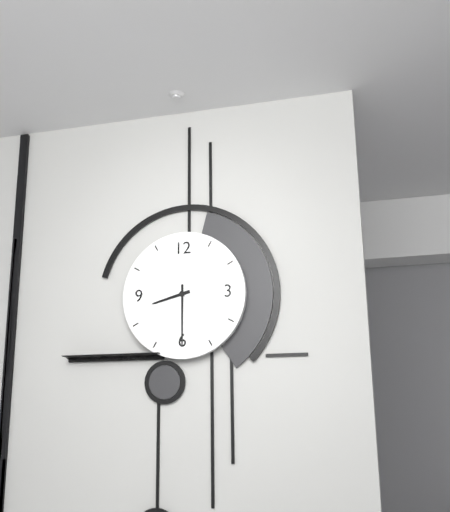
{"hour": 8, "minute": 30}
